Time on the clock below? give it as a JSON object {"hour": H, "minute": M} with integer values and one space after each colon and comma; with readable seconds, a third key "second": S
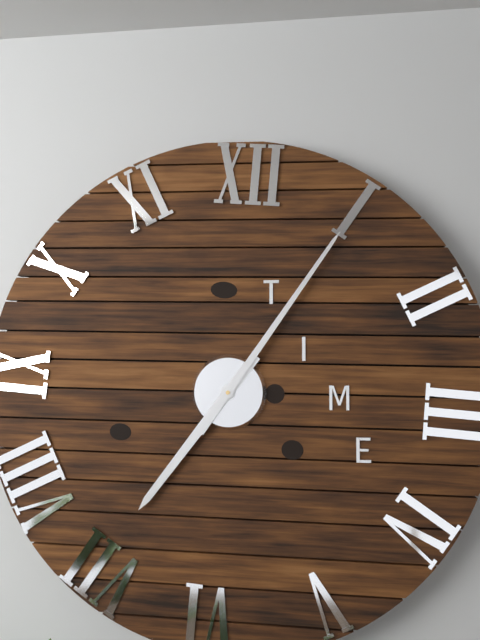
{"hour": 7, "minute": 5}
